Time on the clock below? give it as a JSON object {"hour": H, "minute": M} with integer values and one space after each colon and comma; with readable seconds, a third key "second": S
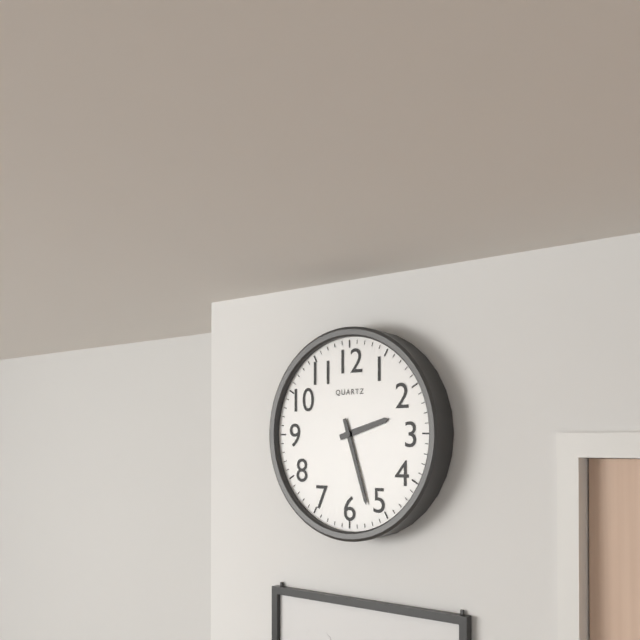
{"hour": 2, "minute": 27}
